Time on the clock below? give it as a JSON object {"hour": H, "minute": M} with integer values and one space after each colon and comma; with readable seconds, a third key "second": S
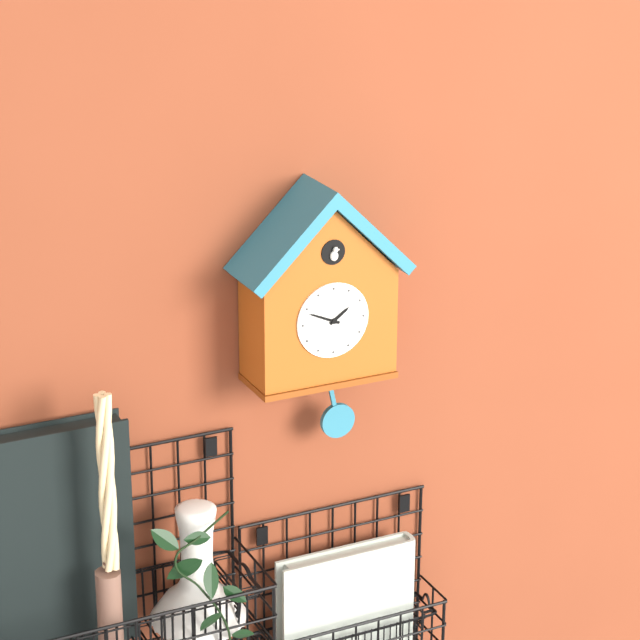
{"hour": 1, "minute": 49}
